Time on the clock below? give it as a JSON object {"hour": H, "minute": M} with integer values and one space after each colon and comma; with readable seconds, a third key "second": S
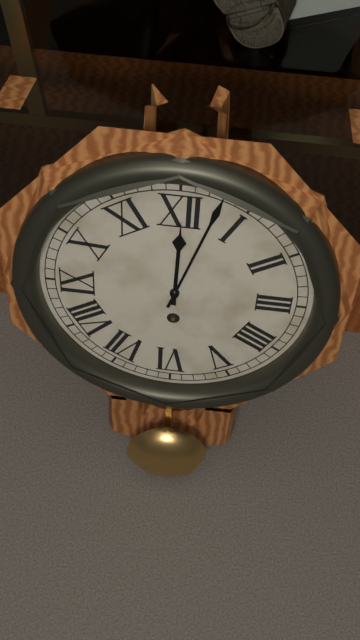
{"hour": 12, "minute": 3}
